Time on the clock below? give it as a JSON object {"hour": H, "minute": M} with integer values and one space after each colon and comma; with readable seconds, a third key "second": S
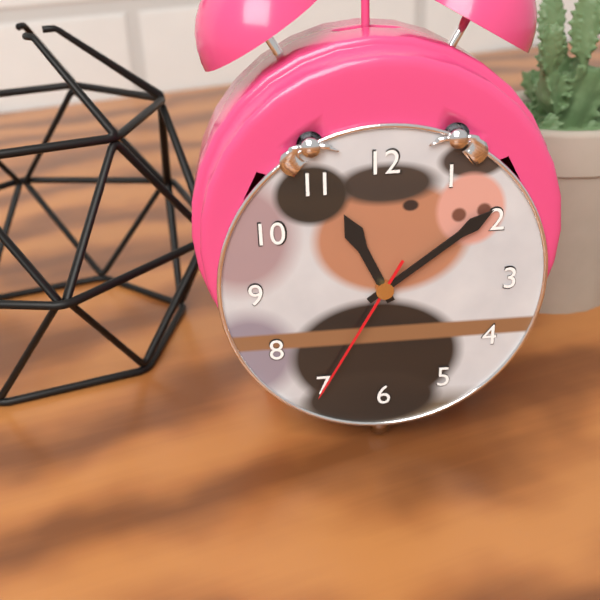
{"hour": 11, "minute": 9, "second": 35}
